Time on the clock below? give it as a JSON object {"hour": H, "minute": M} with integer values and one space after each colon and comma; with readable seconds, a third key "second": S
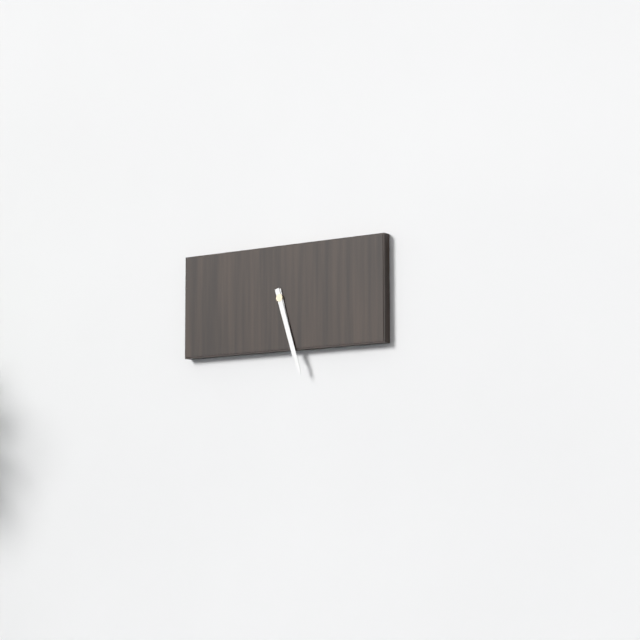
{"hour": 5, "minute": 27}
